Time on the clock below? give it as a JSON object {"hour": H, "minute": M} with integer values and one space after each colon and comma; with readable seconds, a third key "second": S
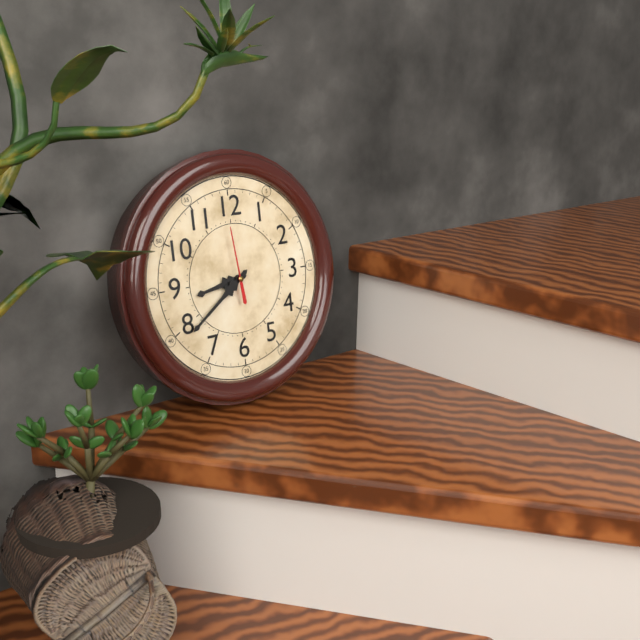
{"hour": 8, "minute": 39, "second": 59}
